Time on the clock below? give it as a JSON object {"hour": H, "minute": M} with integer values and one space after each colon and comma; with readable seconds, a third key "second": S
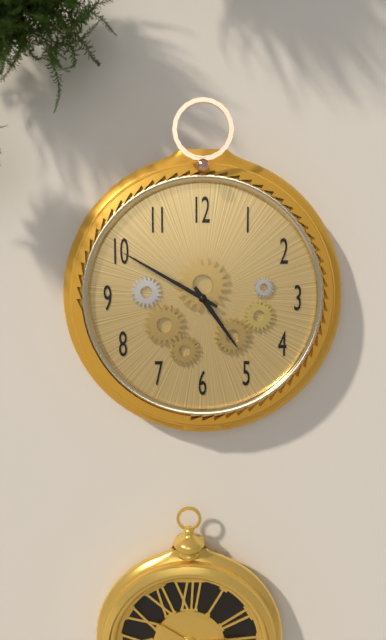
{"hour": 4, "minute": 50}
